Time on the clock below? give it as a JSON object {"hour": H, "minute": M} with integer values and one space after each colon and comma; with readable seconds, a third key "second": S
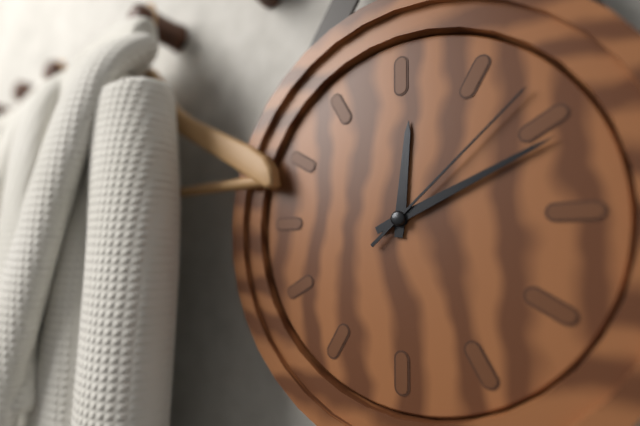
{"hour": 12, "minute": 11, "second": 8}
